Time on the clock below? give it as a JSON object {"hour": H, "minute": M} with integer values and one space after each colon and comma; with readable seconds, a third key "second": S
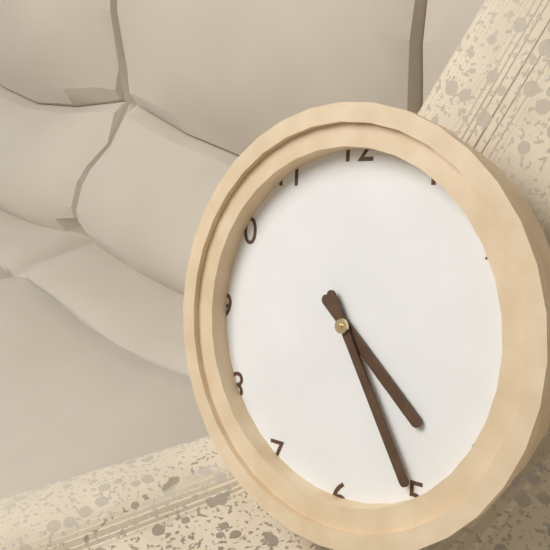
{"hour": 4, "minute": 25}
